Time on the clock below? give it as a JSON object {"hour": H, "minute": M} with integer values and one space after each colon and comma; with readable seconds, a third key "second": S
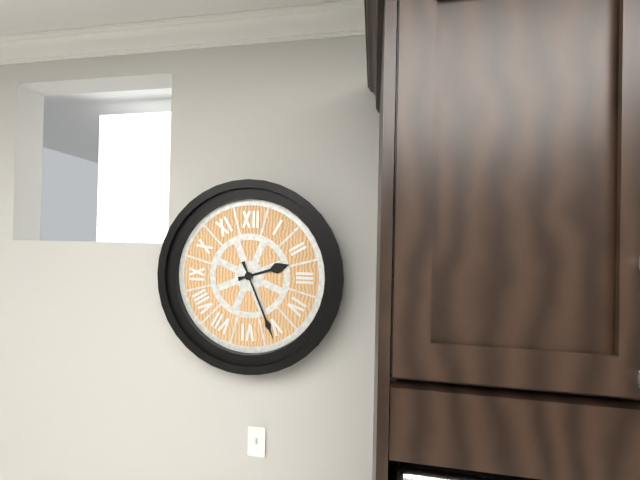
{"hour": 2, "minute": 26}
